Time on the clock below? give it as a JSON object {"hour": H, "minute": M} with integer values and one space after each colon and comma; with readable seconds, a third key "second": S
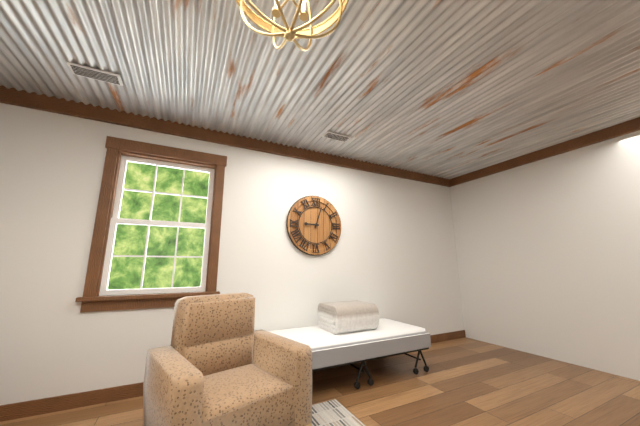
{"hour": 9, "minute": 3}
